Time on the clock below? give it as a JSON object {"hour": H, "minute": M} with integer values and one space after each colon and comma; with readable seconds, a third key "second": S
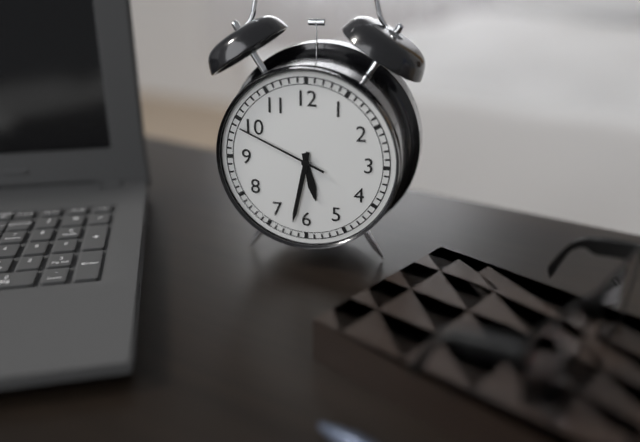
{"hour": 5, "minute": 32, "second": 49}
